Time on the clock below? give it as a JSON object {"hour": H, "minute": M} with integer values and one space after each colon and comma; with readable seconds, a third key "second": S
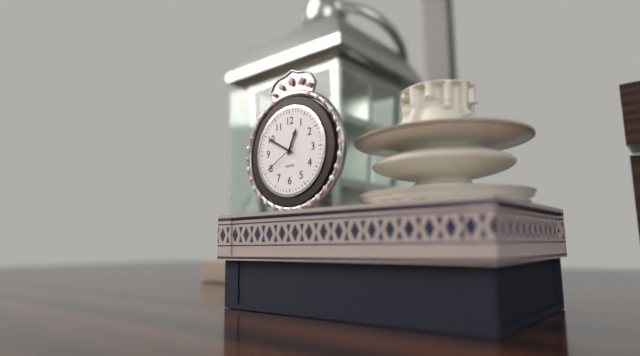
{"hour": 12, "minute": 50}
